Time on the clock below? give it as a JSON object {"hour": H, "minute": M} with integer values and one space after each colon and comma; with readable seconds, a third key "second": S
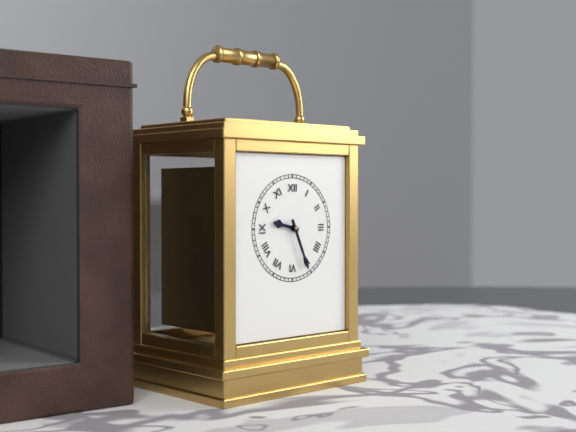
{"hour": 9, "minute": 26}
